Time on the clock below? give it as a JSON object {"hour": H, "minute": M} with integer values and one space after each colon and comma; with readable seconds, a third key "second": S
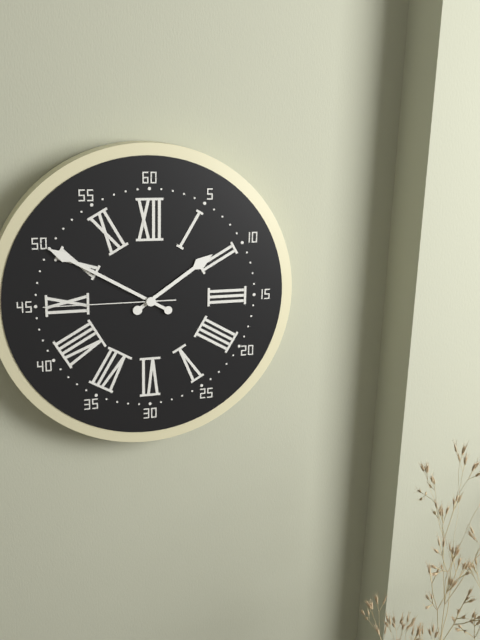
{"hour": 1, "minute": 50, "second": 45}
